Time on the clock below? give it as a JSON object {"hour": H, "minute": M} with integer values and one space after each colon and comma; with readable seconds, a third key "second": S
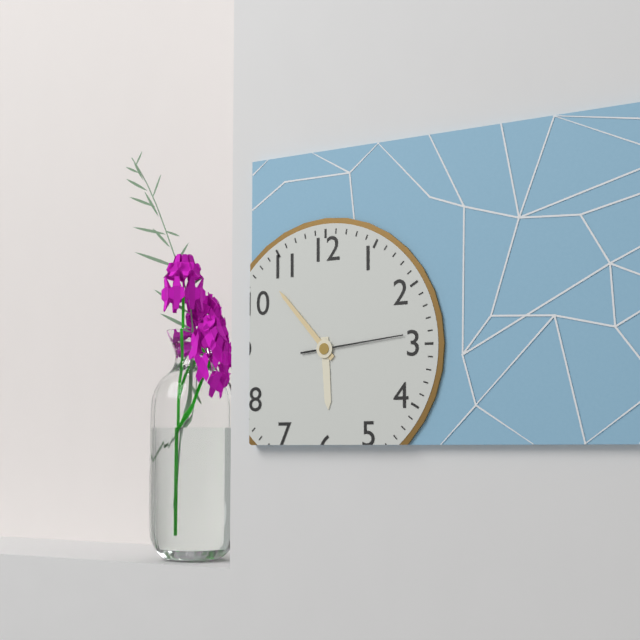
{"hour": 5, "minute": 53, "second": 14}
